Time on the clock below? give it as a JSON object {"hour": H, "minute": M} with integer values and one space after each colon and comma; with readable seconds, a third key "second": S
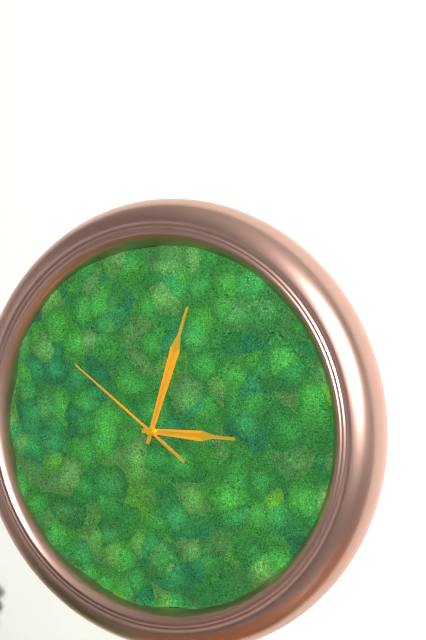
{"hour": 3, "minute": 3, "second": 51}
